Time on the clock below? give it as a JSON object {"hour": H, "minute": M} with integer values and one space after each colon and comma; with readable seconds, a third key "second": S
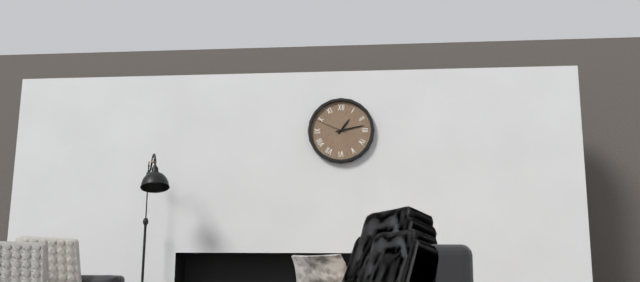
{"hour": 1, "minute": 13}
